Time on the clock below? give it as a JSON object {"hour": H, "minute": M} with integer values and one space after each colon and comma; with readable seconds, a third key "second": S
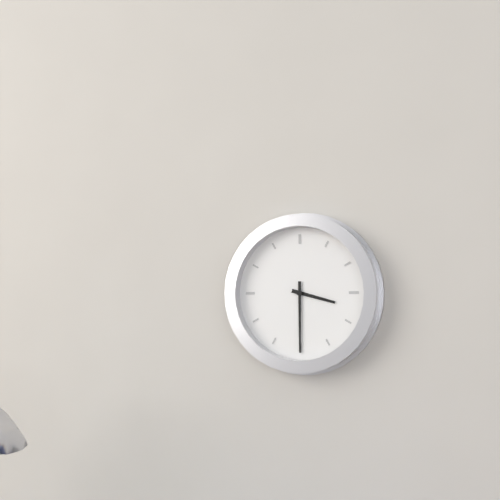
{"hour": 3, "minute": 30}
